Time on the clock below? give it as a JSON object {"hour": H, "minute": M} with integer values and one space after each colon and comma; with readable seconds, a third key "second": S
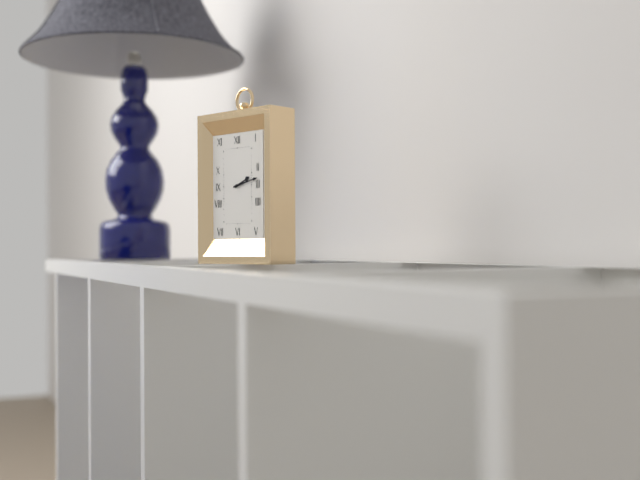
{"hour": 2, "minute": 13}
